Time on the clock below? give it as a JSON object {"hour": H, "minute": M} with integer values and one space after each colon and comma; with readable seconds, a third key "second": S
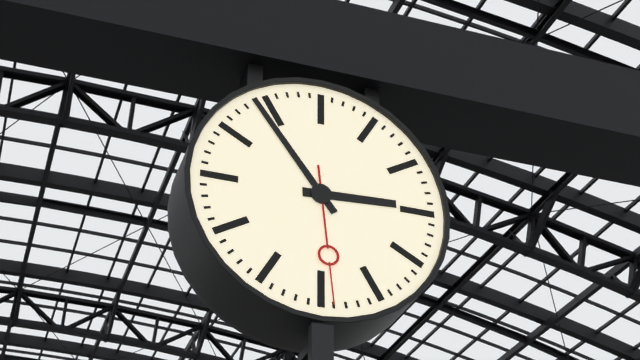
{"hour": 2, "minute": 54, "second": 29}
